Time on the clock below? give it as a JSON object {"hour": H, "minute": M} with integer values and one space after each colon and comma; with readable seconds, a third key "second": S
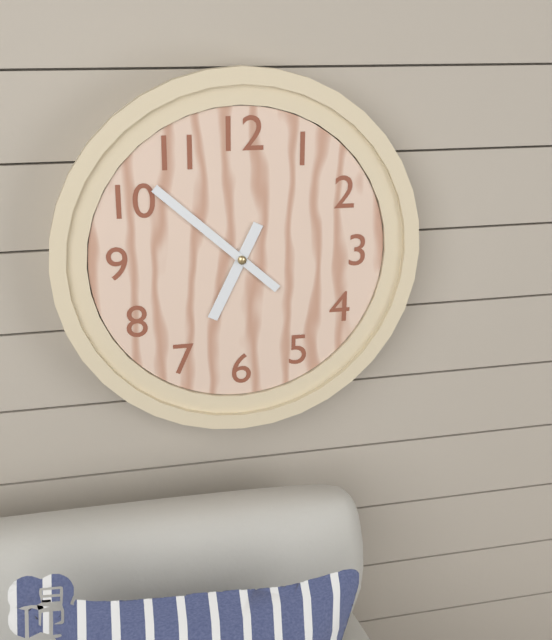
{"hour": 6, "minute": 52}
